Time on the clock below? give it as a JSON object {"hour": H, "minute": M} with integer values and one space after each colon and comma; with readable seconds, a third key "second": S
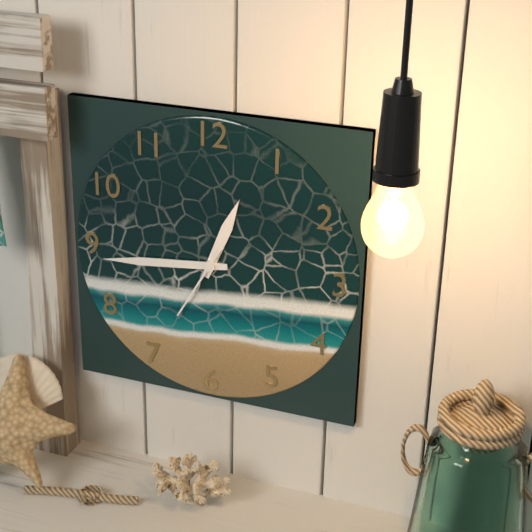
{"hour": 12, "minute": 44, "second": 35}
